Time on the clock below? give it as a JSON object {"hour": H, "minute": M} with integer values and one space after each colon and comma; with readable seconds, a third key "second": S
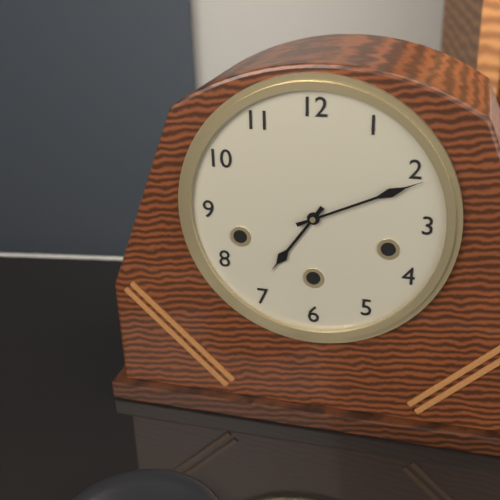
{"hour": 7, "minute": 11}
